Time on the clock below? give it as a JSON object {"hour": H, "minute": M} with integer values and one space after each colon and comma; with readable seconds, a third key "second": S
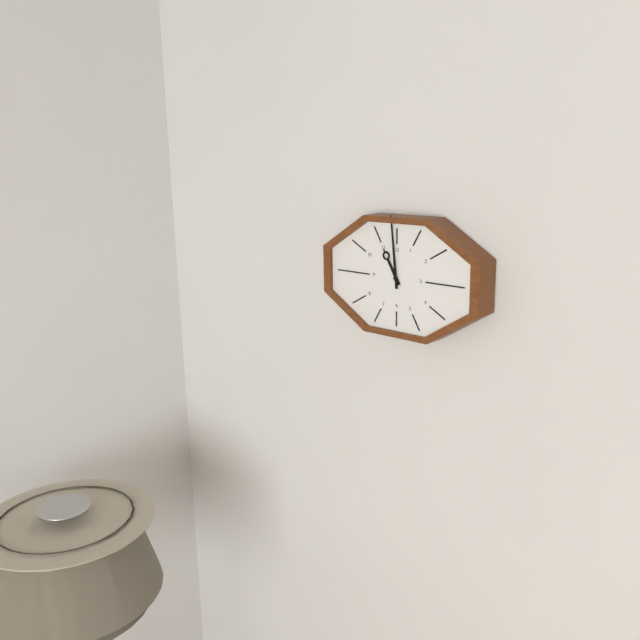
{"hour": 10, "minute": 59}
